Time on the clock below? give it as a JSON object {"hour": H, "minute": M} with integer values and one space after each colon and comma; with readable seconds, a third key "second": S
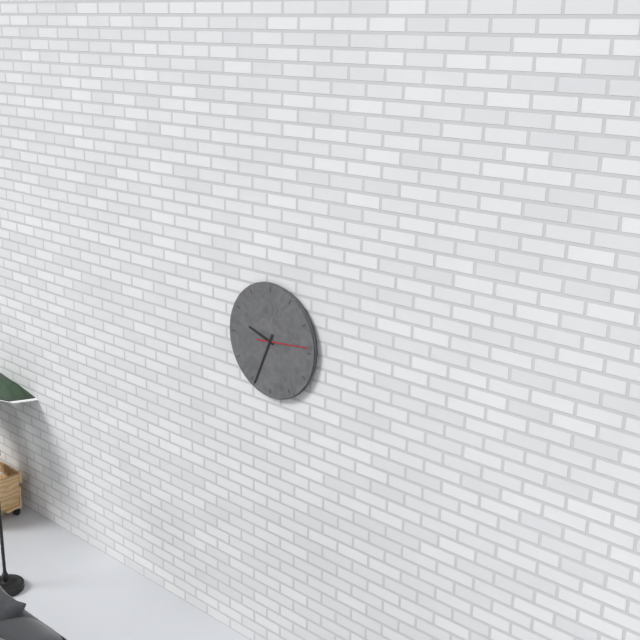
{"hour": 9, "minute": 34}
